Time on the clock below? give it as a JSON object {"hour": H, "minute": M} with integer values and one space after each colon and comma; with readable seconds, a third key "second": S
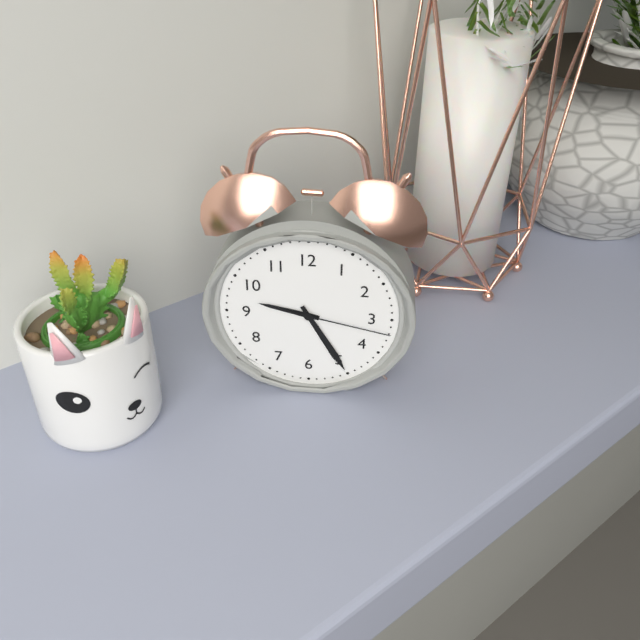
{"hour": 9, "minute": 25, "second": 17}
